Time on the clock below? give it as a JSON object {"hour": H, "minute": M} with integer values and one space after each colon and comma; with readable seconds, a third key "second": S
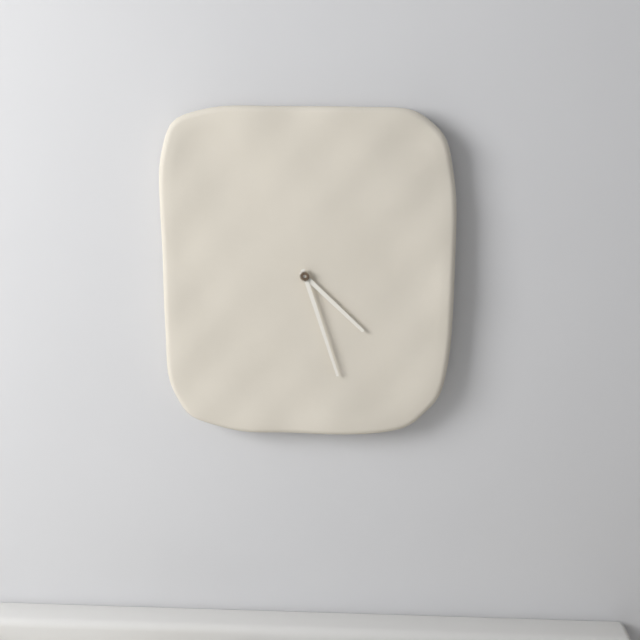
{"hour": 4, "minute": 27}
